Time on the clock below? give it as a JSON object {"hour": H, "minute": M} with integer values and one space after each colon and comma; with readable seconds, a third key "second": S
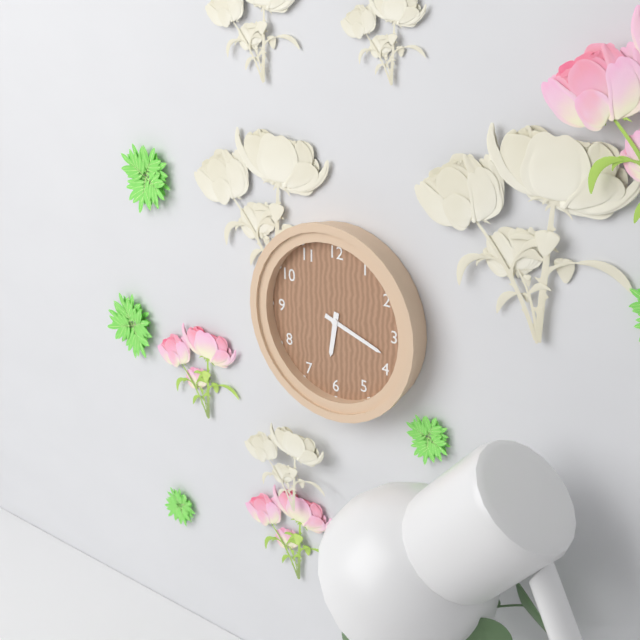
{"hour": 6, "minute": 18}
